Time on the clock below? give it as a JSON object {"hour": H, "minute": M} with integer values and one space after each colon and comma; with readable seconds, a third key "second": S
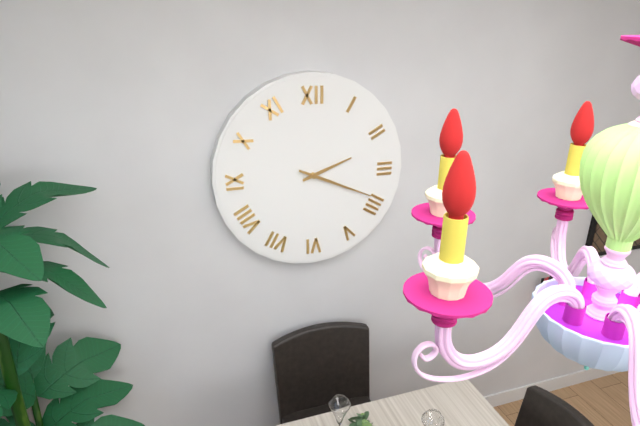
{"hour": 2, "minute": 19}
